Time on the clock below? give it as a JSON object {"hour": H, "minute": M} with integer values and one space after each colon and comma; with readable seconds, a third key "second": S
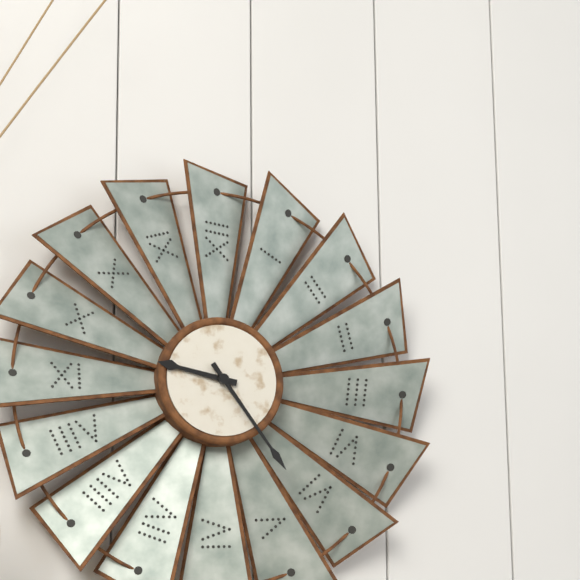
{"hour": 9, "minute": 24}
